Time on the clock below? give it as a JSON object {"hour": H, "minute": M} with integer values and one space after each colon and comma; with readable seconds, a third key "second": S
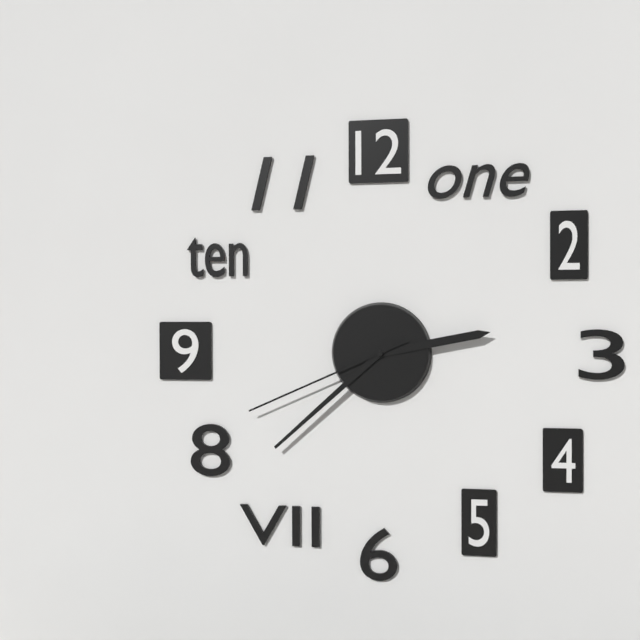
{"hour": 2, "minute": 38, "second": 41}
